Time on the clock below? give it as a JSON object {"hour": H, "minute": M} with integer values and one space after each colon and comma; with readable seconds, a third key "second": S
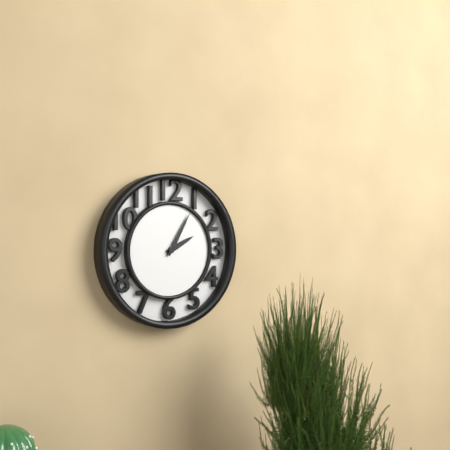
{"hour": 2, "minute": 5}
